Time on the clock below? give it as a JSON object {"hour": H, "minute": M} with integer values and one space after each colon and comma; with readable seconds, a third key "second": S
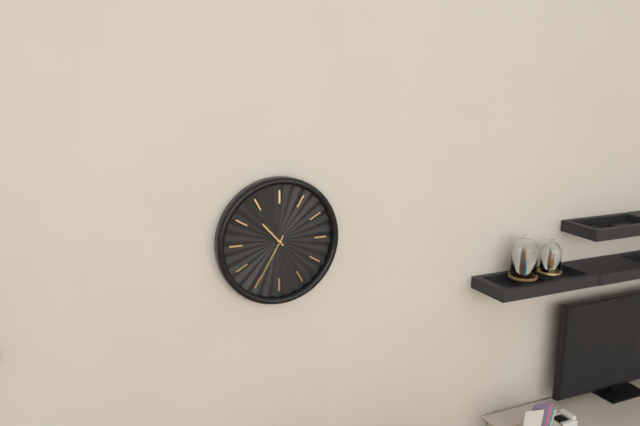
{"hour": 10, "minute": 35}
